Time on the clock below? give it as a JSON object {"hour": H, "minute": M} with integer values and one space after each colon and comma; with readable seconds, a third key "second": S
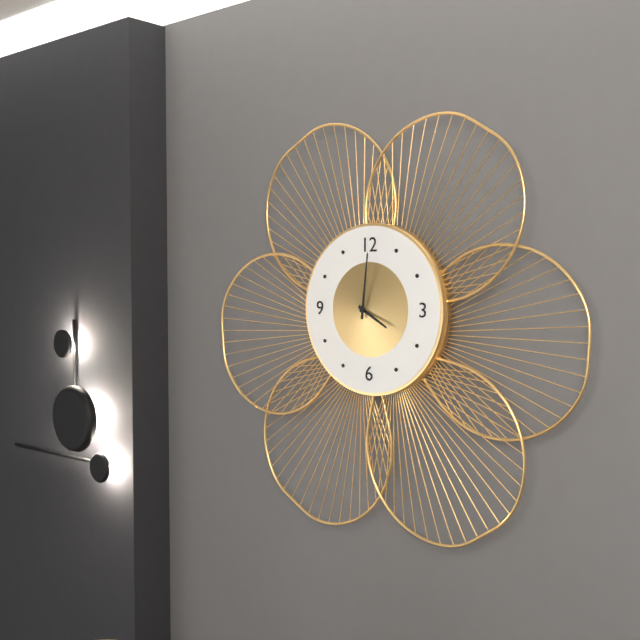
{"hour": 4, "minute": 1}
